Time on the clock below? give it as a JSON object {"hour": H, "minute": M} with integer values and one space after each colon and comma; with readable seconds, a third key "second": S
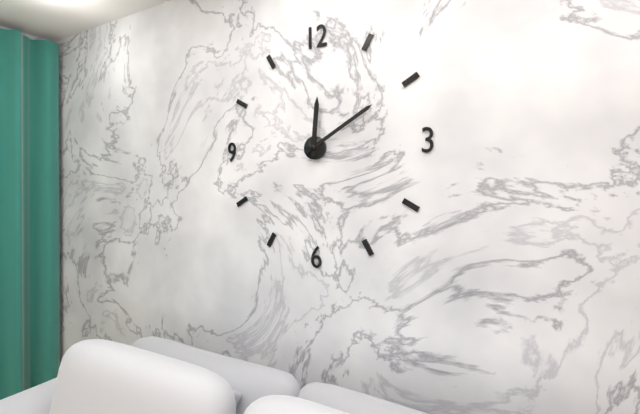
{"hour": 12, "minute": 10}
